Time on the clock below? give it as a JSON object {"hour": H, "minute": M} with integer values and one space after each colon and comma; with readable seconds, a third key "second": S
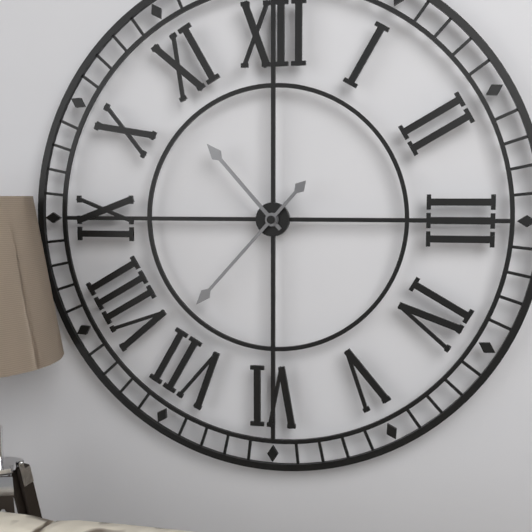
{"hour": 10, "minute": 37}
